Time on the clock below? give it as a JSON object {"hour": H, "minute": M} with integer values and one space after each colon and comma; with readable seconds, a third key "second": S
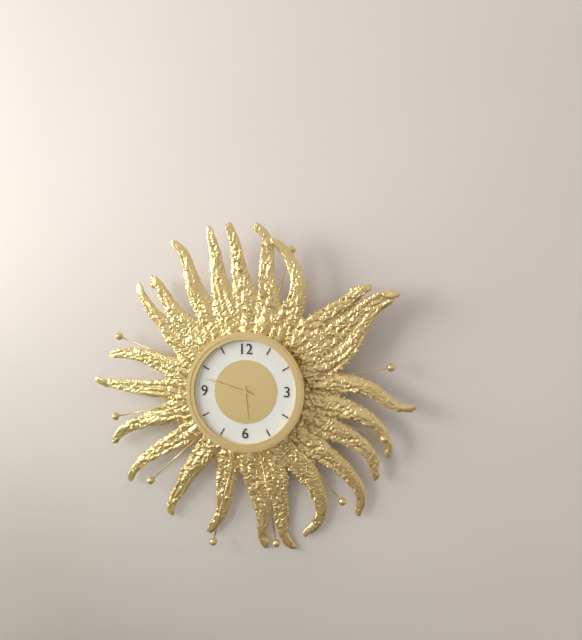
{"hour": 5, "minute": 48}
